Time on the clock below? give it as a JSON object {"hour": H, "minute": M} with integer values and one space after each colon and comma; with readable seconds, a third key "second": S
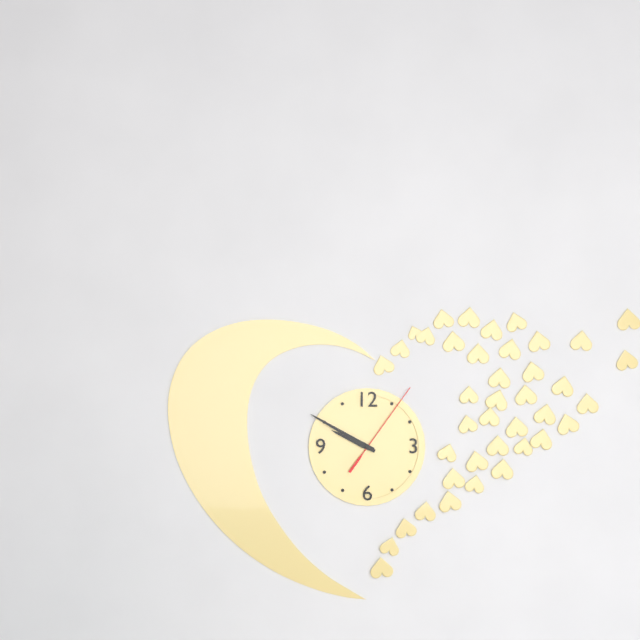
{"hour": 9, "minute": 50, "second": 6}
